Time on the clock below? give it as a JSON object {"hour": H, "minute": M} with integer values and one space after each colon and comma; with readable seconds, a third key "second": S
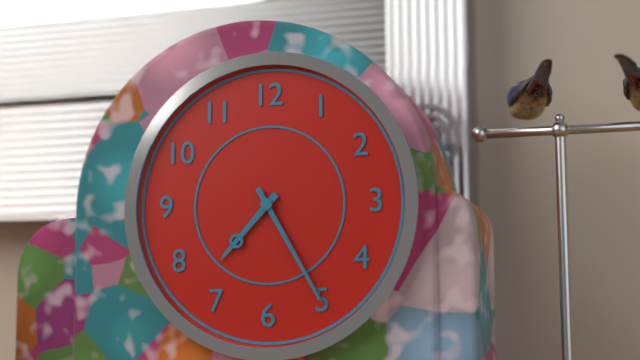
{"hour": 7, "minute": 25}
